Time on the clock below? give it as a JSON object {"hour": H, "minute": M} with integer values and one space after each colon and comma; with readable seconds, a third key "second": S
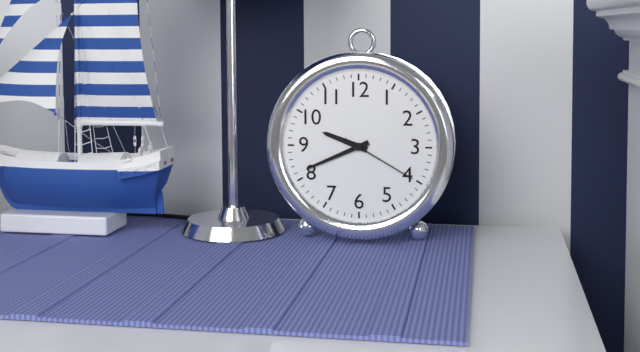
{"hour": 9, "minute": 41, "second": 20}
